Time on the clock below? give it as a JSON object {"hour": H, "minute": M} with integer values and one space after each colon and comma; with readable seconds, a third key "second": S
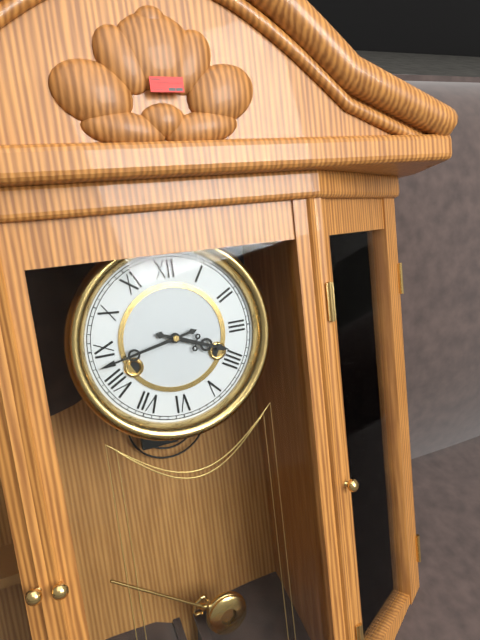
{"hour": 3, "minute": 43}
